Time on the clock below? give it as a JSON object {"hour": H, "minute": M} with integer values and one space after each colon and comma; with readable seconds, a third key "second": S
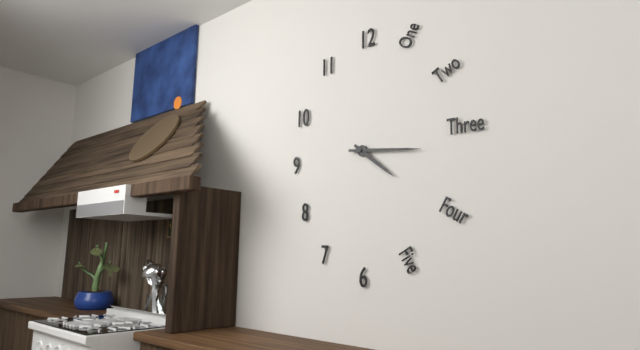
{"hour": 4, "minute": 16}
